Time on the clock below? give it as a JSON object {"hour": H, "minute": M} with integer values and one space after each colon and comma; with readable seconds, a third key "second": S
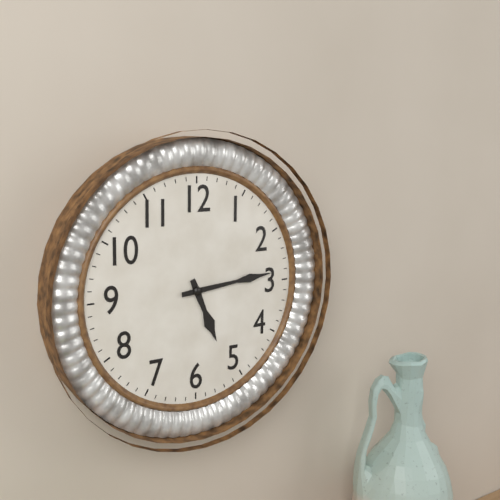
{"hour": 5, "minute": 14}
